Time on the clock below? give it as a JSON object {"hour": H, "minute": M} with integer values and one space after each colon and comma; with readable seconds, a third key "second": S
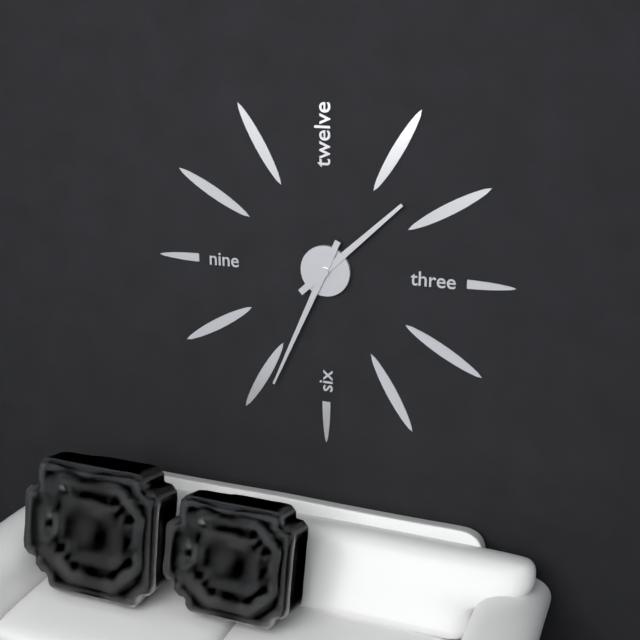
{"hour": 1, "minute": 34}
